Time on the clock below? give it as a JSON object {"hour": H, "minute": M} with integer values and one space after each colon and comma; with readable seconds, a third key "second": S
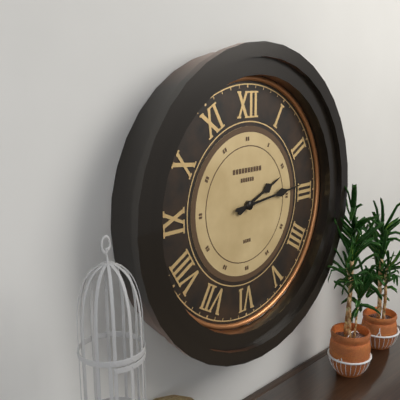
{"hour": 2, "minute": 14}
